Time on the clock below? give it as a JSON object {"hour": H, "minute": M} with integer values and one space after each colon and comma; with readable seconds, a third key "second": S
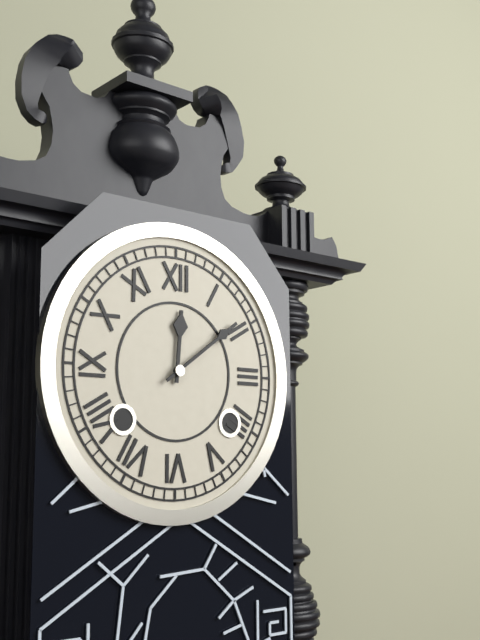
{"hour": 12, "minute": 9}
